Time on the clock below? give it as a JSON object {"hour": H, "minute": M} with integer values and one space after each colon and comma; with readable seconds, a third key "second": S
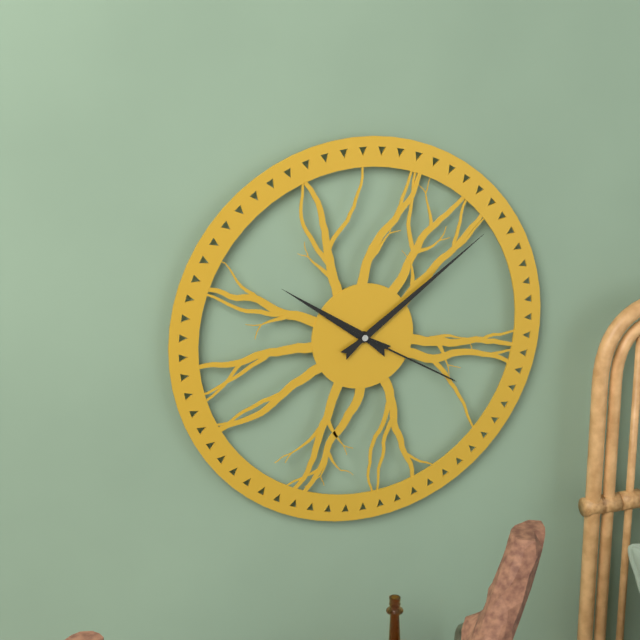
{"hour": 10, "minute": 9, "second": 20}
